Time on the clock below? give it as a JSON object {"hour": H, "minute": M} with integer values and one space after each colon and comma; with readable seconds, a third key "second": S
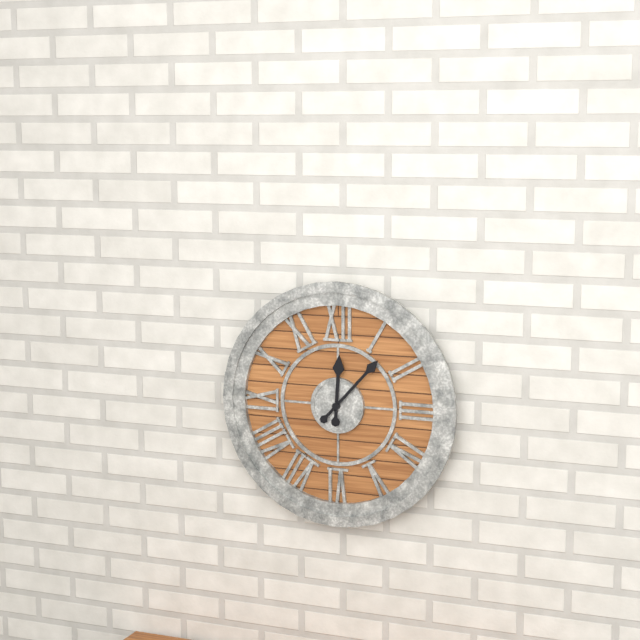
{"hour": 12, "minute": 7}
